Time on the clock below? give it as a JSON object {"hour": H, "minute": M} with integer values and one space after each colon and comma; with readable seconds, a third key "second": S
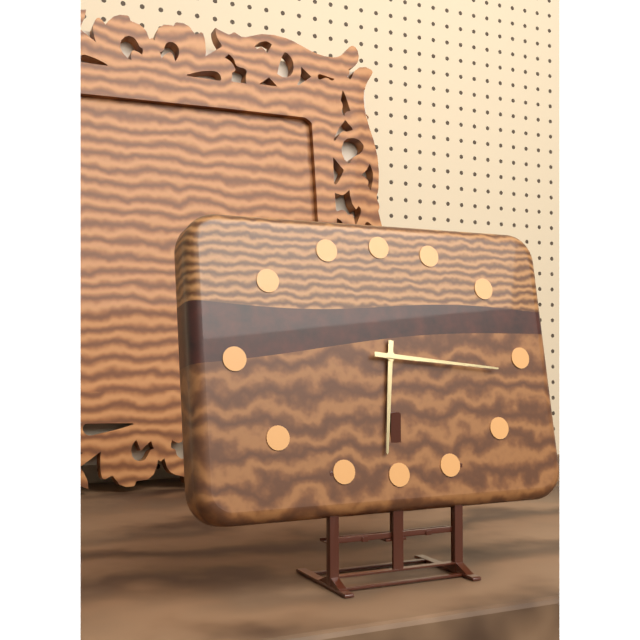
{"hour": 6, "minute": 16}
